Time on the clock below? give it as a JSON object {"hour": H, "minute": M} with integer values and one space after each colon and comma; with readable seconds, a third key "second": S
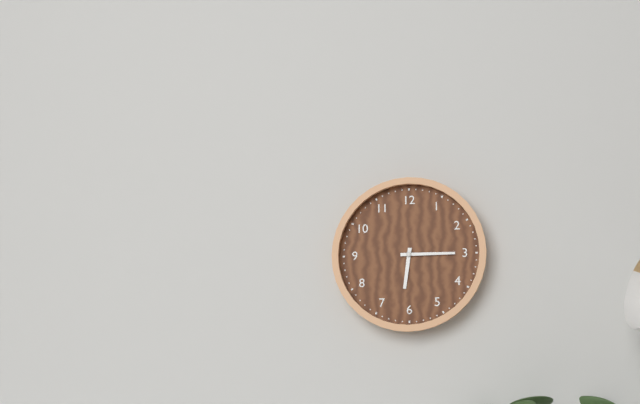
{"hour": 6, "minute": 15}
